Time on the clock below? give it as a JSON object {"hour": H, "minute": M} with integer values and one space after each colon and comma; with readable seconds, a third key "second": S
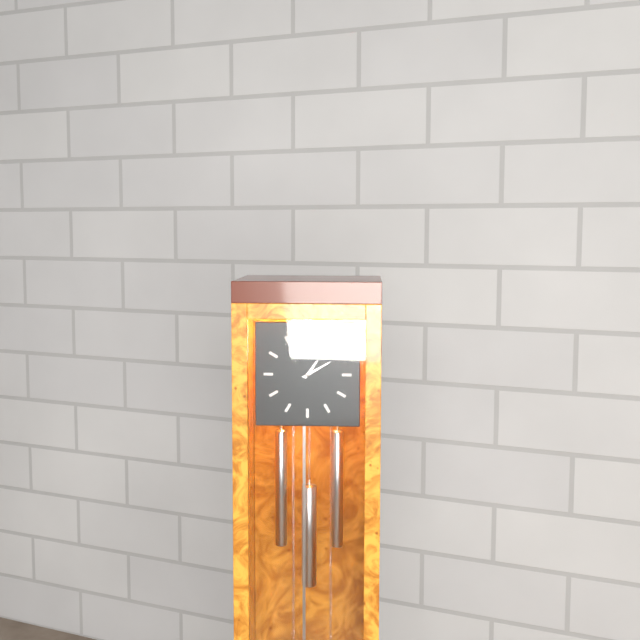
{"hour": 1, "minute": 10}
